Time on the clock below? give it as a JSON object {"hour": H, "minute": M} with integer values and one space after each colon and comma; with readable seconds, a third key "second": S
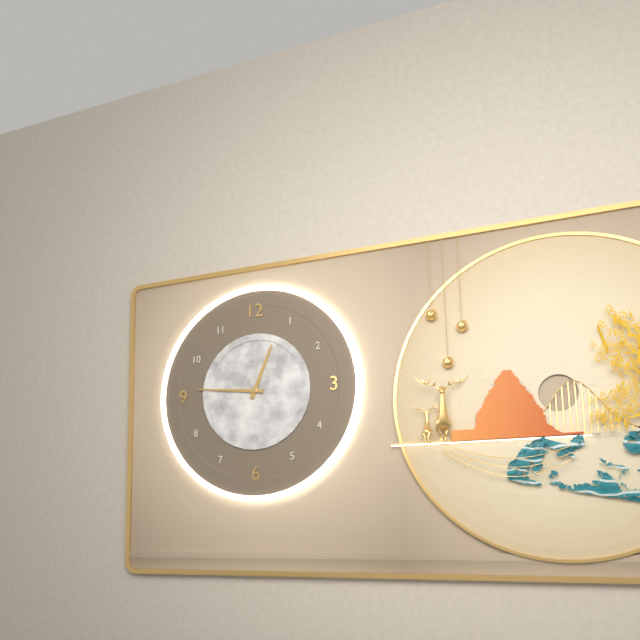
{"hour": 12, "minute": 46}
